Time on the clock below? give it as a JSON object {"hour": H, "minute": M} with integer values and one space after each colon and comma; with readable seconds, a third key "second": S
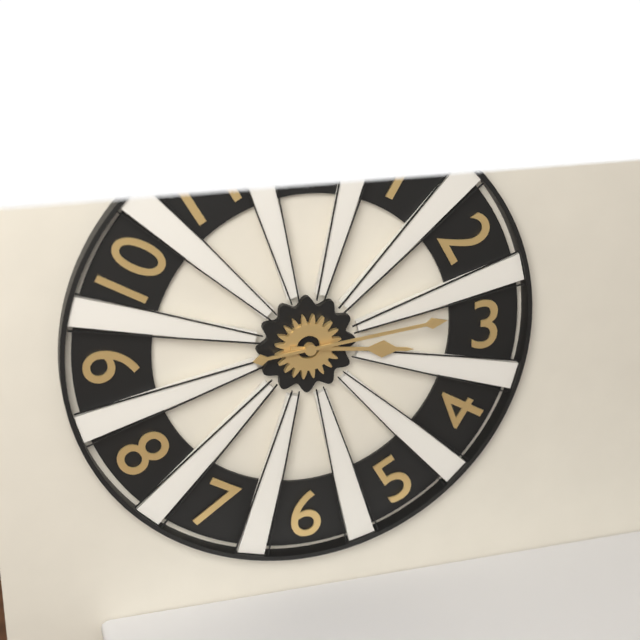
{"hour": 3, "minute": 14}
